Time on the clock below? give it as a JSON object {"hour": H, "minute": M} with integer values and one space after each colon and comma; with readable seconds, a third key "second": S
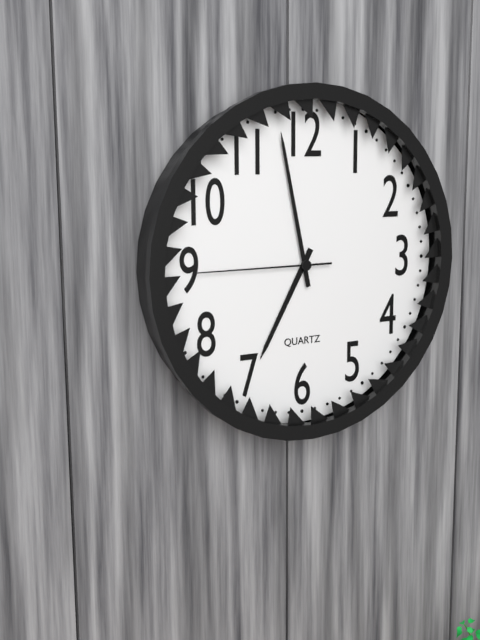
{"hour": 6, "minute": 58, "second": 45}
